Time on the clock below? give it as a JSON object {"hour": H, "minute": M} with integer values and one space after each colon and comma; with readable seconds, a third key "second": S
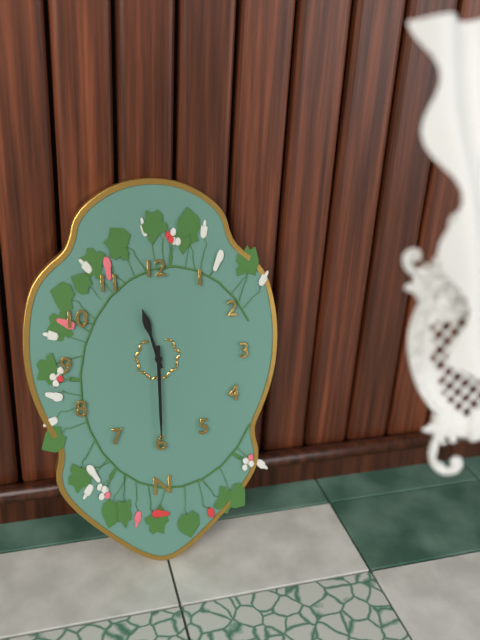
{"hour": 11, "minute": 30}
